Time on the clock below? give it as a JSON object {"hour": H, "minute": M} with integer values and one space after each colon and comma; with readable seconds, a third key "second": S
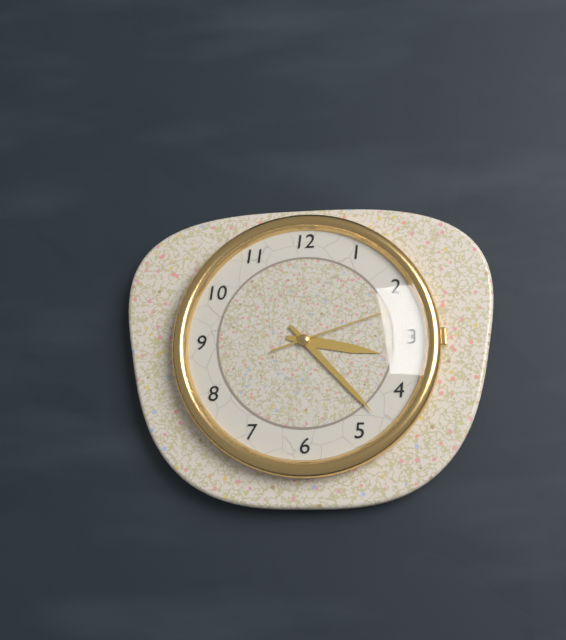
{"hour": 3, "minute": 23, "second": 12}
